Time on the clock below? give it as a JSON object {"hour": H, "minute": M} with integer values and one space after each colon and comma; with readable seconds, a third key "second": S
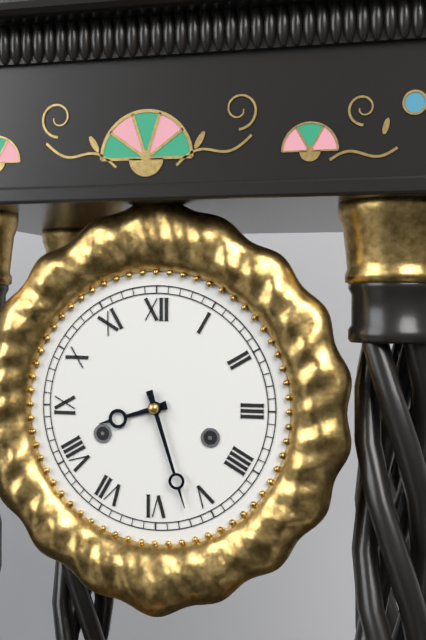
{"hour": 8, "minute": 27}
